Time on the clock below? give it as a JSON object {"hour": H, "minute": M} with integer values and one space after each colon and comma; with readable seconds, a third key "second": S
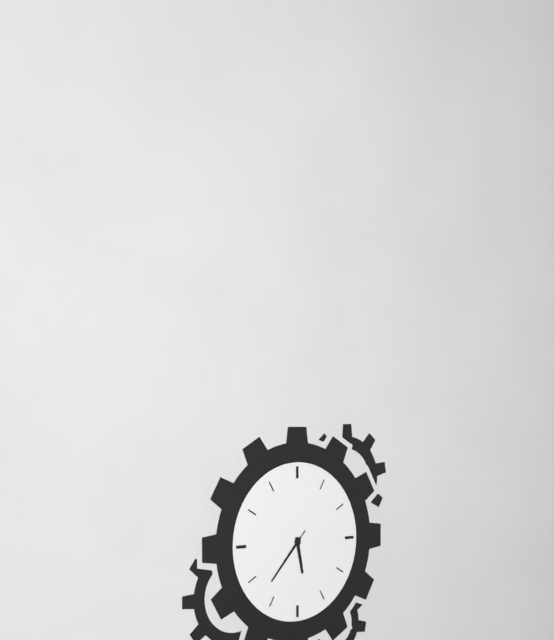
{"hour": 5, "minute": 37, "second": 37}
